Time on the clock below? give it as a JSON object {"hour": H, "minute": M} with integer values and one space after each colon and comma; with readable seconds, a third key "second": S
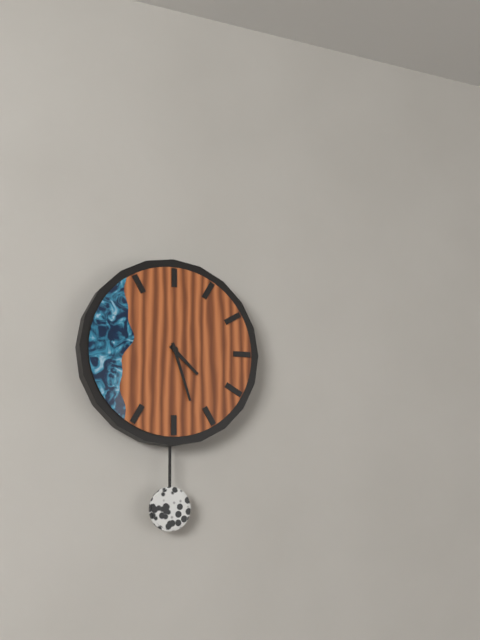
{"hour": 4, "minute": 27}
